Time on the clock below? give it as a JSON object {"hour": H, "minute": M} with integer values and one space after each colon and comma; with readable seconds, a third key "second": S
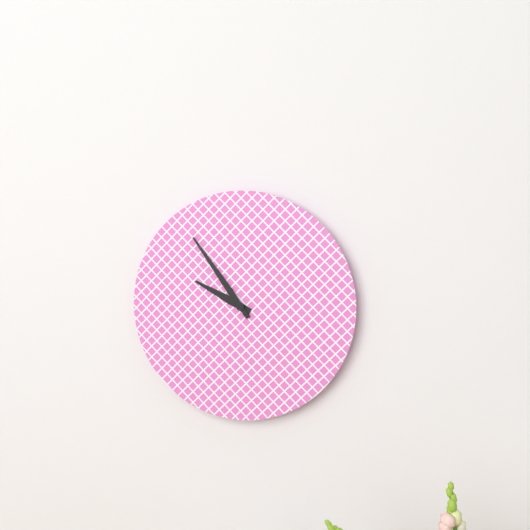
{"hour": 9, "minute": 54}
